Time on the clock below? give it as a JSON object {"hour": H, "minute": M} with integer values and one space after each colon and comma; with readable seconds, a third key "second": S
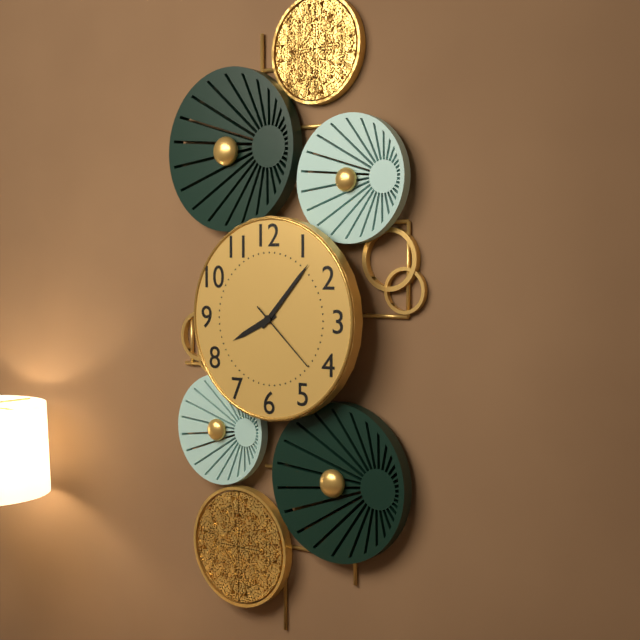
{"hour": 8, "minute": 7, "second": 22}
